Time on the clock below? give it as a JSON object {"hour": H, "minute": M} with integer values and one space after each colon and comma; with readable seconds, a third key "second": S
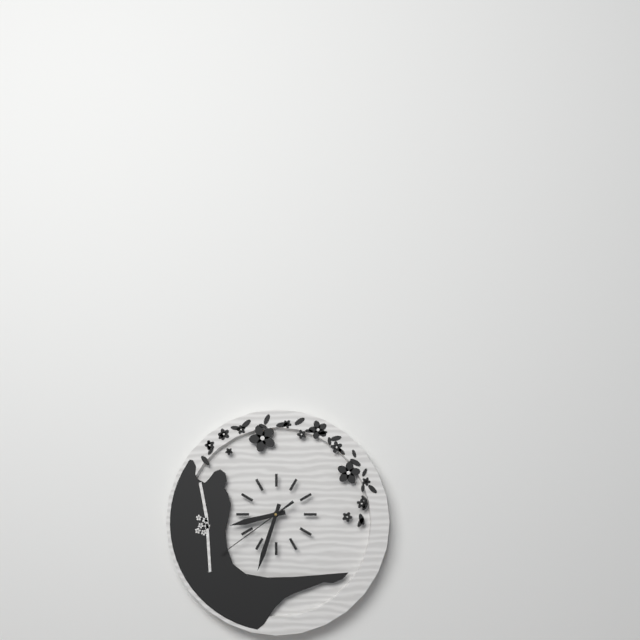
{"hour": 8, "minute": 33, "second": 39}
